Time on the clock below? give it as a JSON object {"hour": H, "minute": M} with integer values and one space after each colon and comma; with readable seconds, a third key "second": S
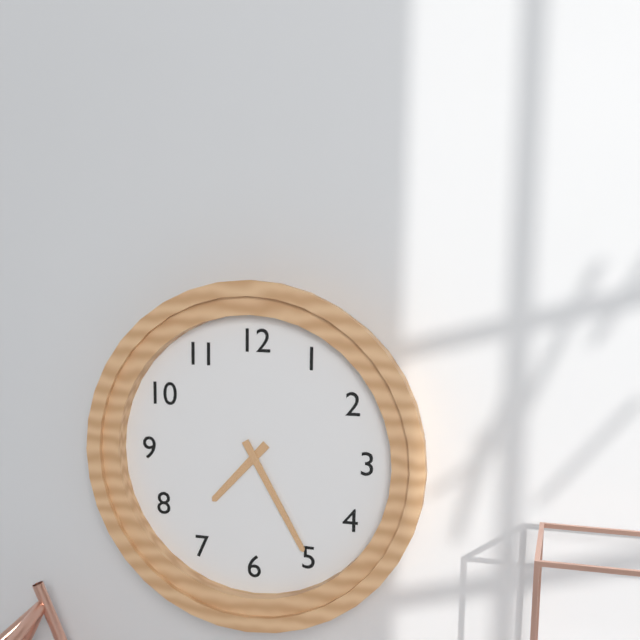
{"hour": 7, "minute": 25}
